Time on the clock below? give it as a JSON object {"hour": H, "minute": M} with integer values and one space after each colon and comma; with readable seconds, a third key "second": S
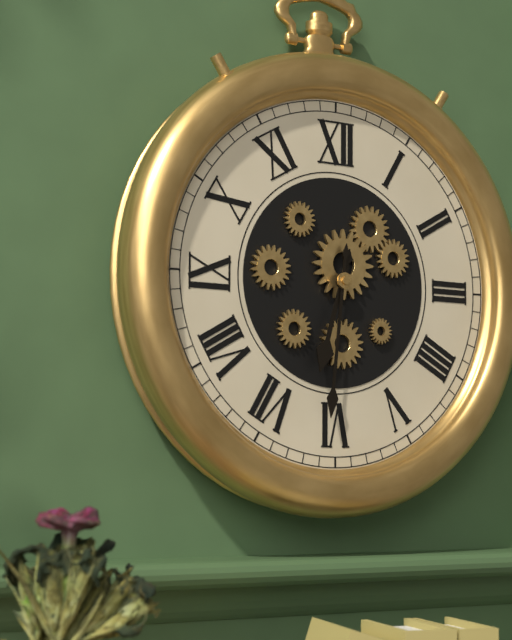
{"hour": 6, "minute": 31}
